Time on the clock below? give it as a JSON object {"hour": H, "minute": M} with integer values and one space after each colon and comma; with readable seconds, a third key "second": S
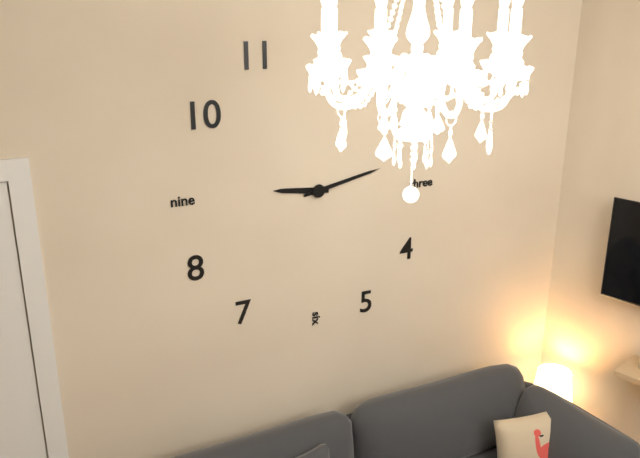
{"hour": 9, "minute": 13}
